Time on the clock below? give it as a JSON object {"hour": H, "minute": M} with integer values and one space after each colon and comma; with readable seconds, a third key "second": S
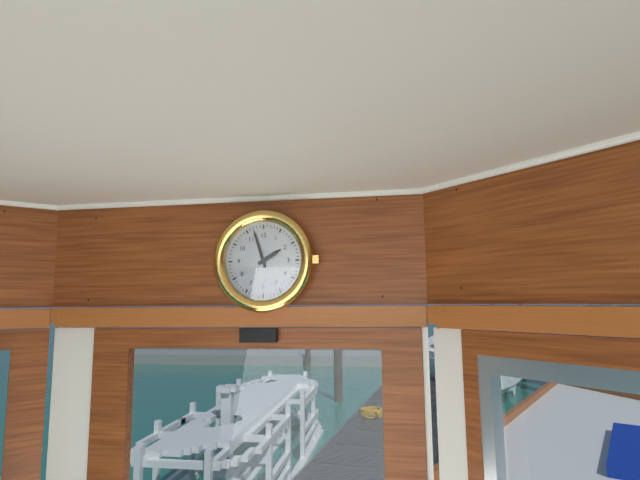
{"hour": 1, "minute": 57}
